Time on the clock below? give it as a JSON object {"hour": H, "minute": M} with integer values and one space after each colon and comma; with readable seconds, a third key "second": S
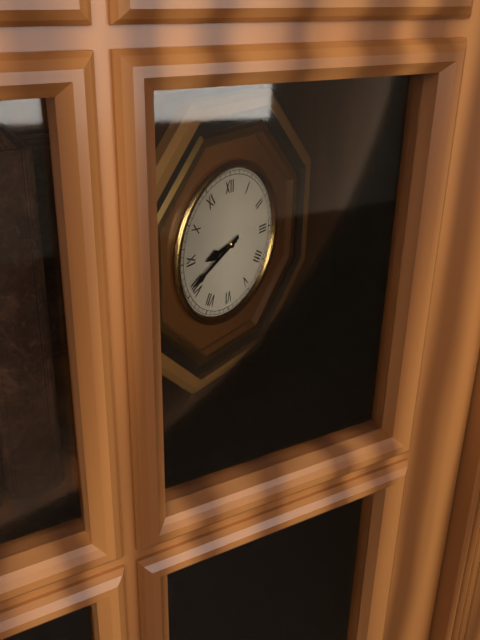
{"hour": 8, "minute": 41}
